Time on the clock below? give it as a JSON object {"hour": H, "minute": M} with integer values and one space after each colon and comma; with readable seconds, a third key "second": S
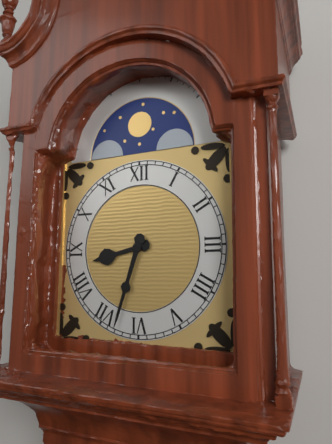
{"hour": 8, "minute": 33}
